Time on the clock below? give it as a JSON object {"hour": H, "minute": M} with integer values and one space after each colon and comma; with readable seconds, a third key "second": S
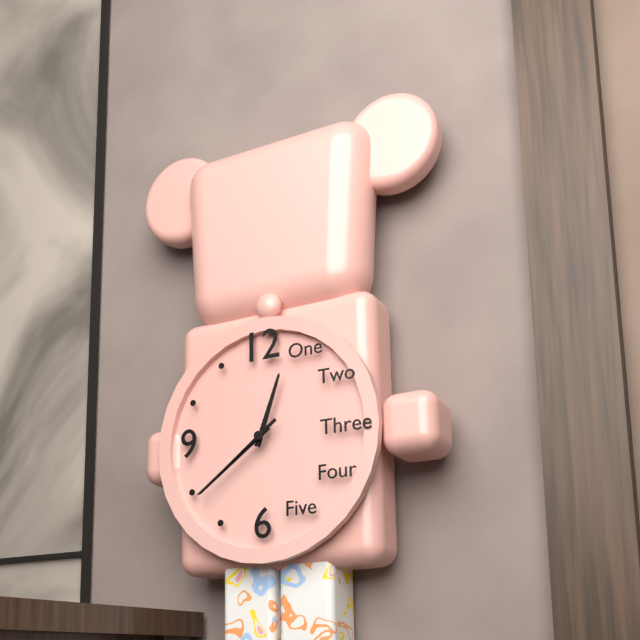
{"hour": 12, "minute": 39, "second": 39}
